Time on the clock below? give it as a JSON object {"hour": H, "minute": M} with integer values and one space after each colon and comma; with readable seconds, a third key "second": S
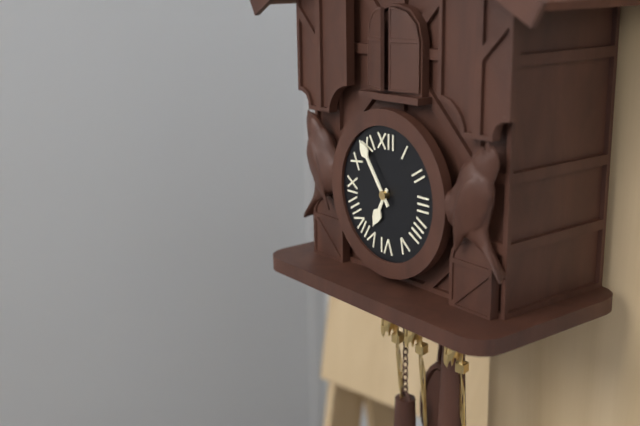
{"hour": 6, "minute": 54}
